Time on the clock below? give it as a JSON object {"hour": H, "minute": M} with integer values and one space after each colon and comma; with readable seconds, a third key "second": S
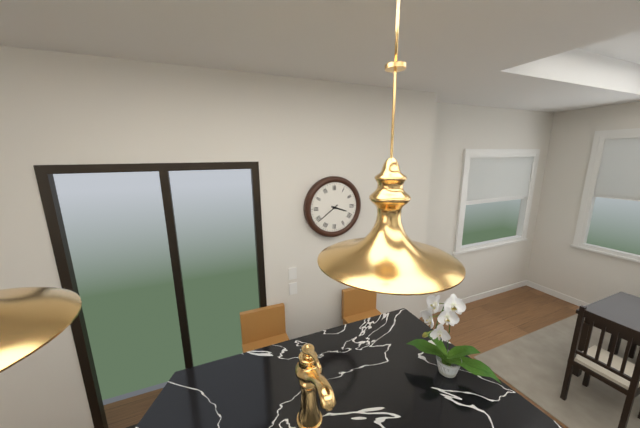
{"hour": 3, "minute": 39}
